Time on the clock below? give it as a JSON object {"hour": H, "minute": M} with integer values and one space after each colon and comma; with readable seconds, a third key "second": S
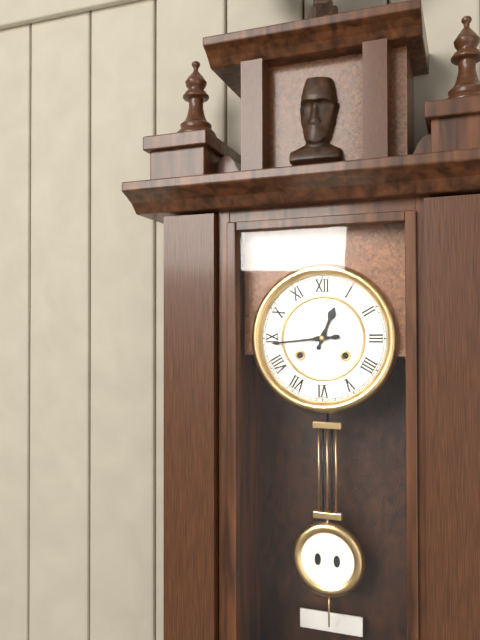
{"hour": 12, "minute": 44}
